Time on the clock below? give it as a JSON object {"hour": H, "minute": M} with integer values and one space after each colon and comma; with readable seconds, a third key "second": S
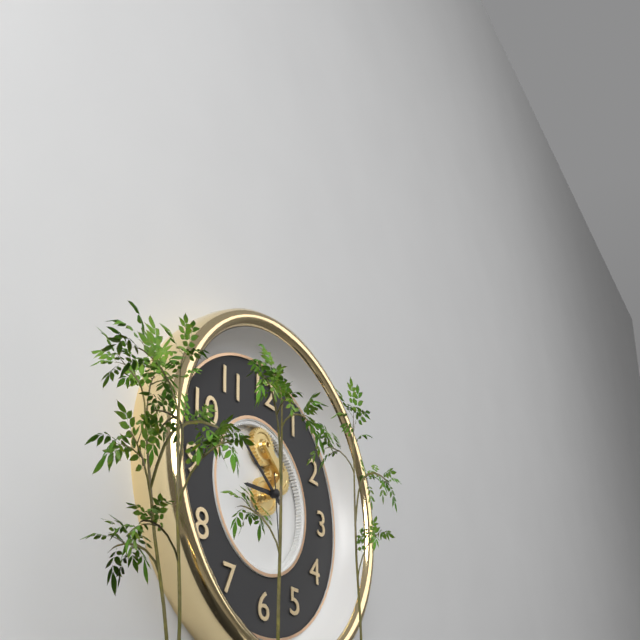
{"hour": 8, "minute": 51, "second": 29}
